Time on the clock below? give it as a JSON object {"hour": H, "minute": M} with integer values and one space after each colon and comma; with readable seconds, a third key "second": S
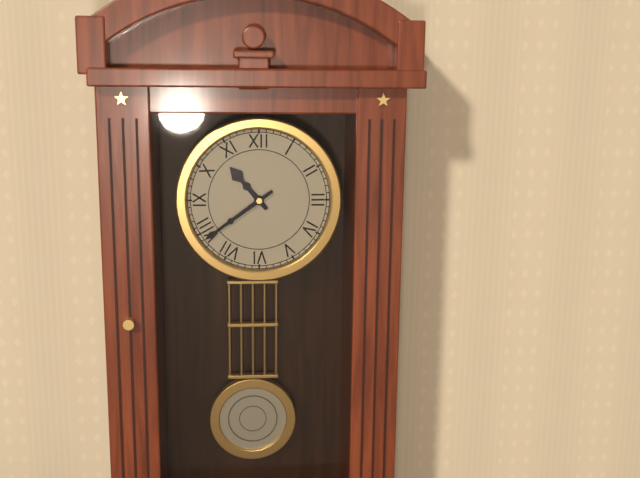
{"hour": 10, "minute": 39}
